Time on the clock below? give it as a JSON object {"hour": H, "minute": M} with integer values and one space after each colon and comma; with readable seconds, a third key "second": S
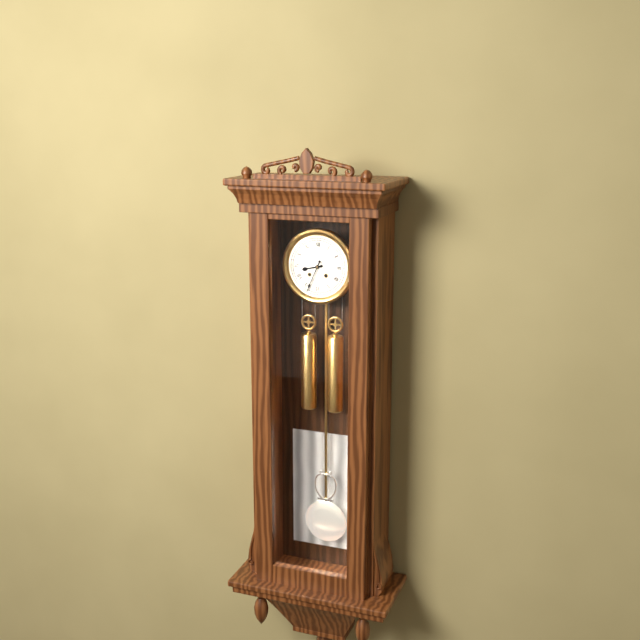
{"hour": 8, "minute": 34}
